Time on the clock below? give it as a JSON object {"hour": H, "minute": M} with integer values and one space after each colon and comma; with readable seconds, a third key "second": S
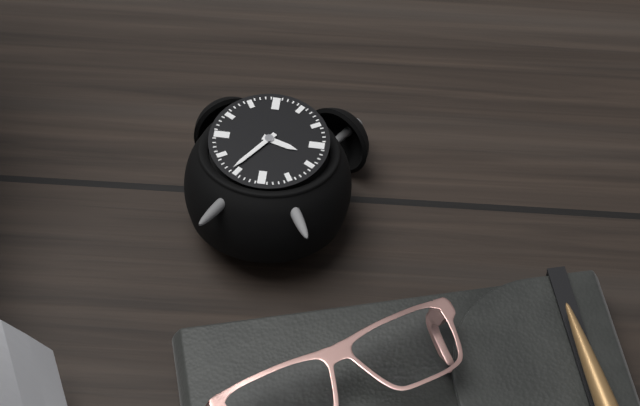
{"hour": 3, "minute": 36}
